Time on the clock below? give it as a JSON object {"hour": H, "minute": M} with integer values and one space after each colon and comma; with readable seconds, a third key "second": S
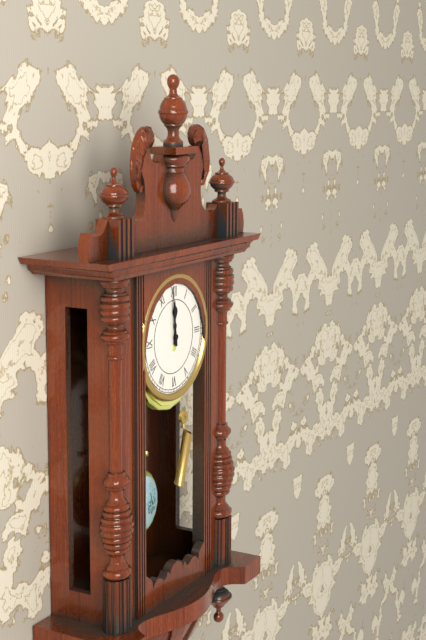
{"hour": 11, "minute": 59}
